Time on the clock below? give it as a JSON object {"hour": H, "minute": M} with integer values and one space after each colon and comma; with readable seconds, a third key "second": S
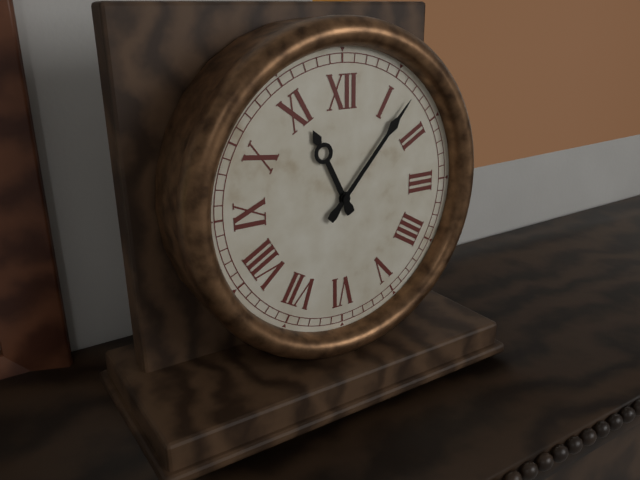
{"hour": 11, "minute": 7}
